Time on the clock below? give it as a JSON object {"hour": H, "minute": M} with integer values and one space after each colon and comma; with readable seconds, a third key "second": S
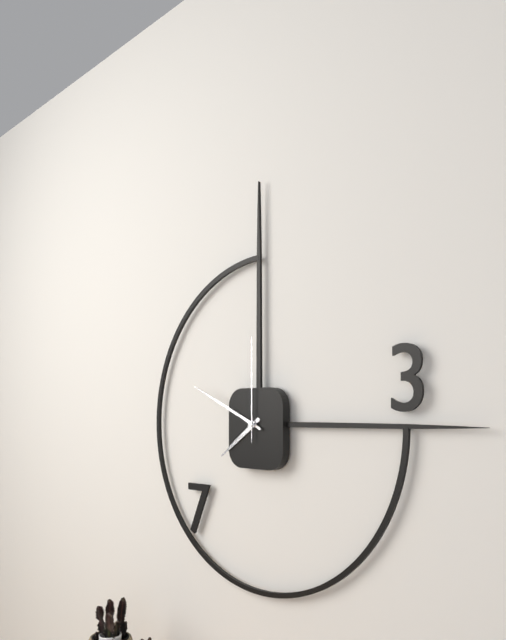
{"hour": 7, "minute": 49, "second": 0}
